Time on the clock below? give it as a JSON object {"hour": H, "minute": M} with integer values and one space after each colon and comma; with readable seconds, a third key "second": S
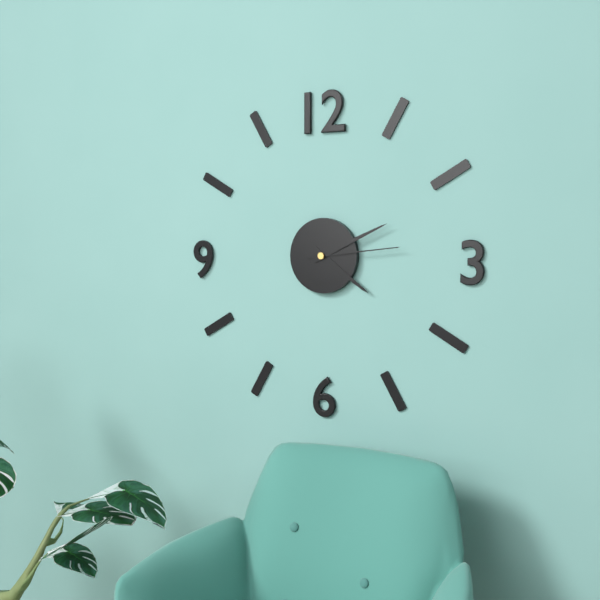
{"hour": 4, "minute": 11, "second": 14}
